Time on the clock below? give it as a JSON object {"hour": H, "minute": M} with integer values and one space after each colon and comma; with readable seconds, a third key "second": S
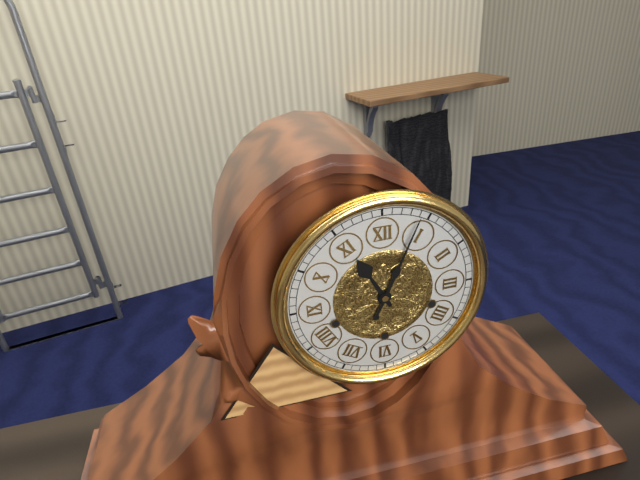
{"hour": 11, "minute": 4}
